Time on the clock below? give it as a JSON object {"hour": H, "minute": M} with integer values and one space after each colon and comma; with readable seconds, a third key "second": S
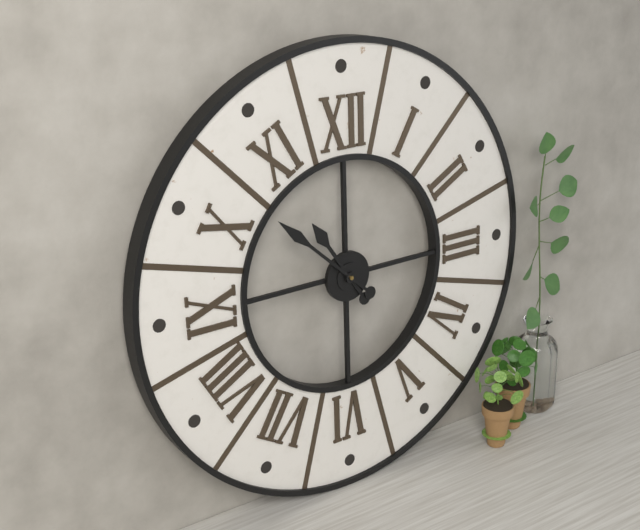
{"hour": 10, "minute": 52}
